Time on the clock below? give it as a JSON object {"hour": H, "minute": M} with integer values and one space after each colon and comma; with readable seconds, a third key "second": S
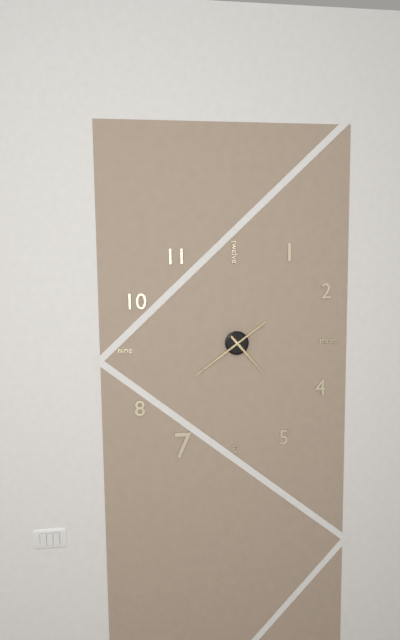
{"hour": 4, "minute": 39}
